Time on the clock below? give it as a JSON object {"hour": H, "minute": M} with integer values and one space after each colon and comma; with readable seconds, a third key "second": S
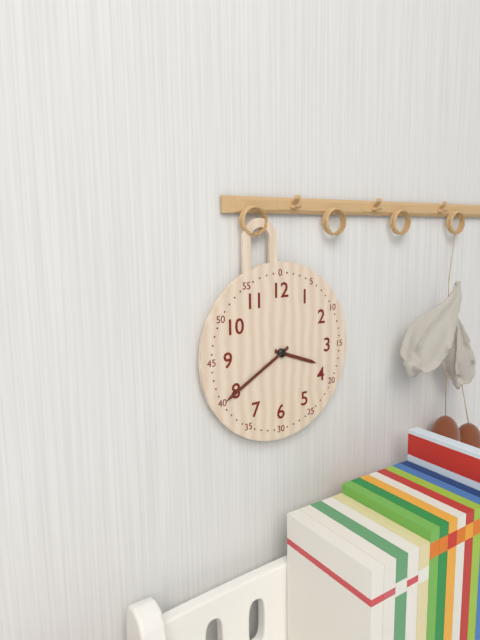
{"hour": 3, "minute": 40}
